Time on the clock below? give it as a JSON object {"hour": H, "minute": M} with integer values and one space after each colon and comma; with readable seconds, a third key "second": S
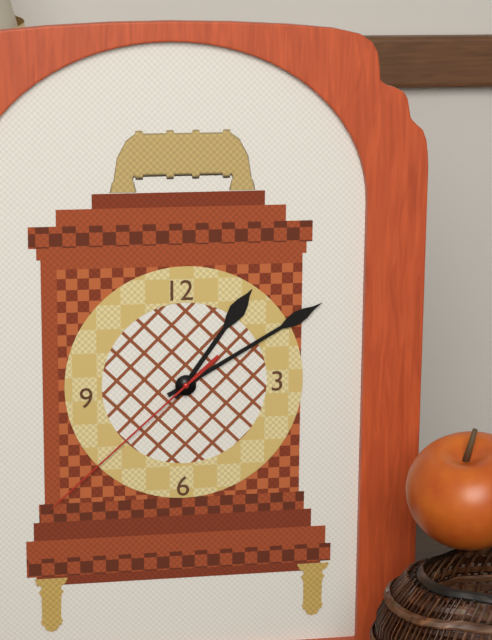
{"hour": 1, "minute": 10, "second": 38}
